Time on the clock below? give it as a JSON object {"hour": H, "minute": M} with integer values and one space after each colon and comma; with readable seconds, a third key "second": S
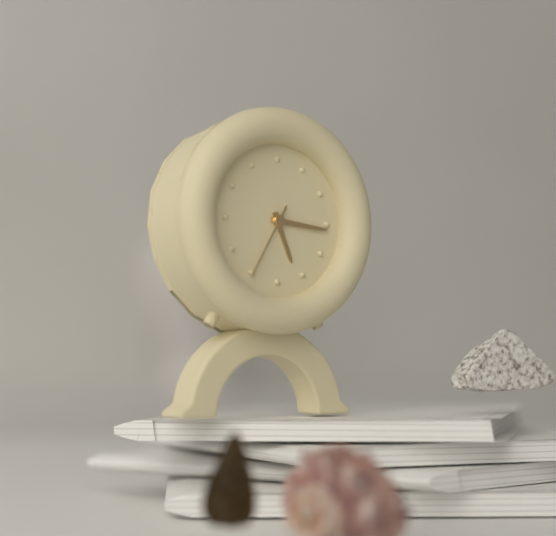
{"hour": 5, "minute": 16, "second": 35}
